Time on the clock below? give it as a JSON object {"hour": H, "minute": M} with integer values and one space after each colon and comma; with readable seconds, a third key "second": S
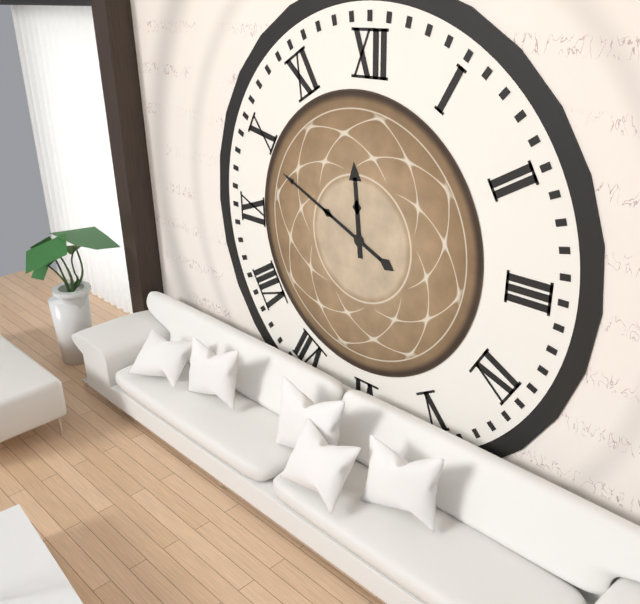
{"hour": 11, "minute": 49}
